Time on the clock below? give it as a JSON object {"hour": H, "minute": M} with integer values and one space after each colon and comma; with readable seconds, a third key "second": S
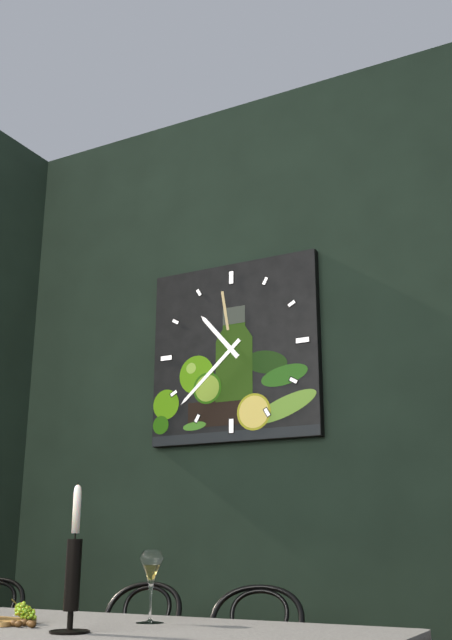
{"hour": 10, "minute": 38}
